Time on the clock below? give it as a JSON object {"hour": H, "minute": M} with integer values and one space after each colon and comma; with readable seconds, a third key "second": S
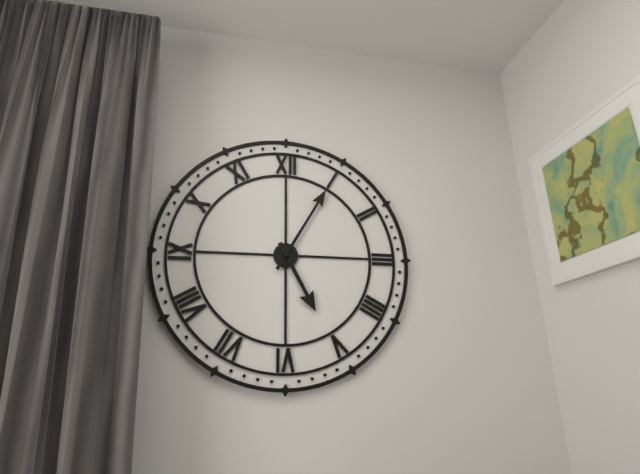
{"hour": 5, "minute": 5}
